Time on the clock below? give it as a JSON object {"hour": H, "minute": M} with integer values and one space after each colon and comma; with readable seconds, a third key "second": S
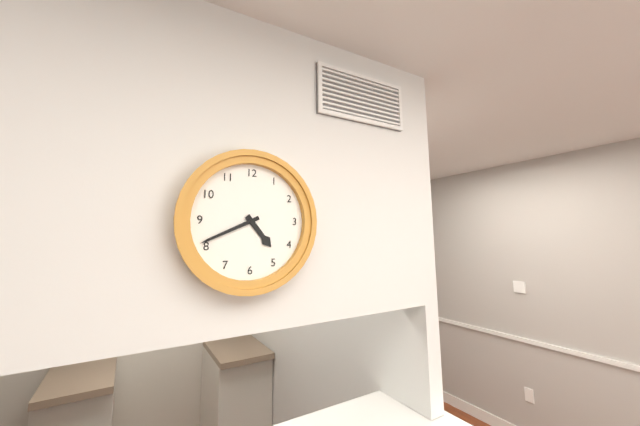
{"hour": 4, "minute": 41}
